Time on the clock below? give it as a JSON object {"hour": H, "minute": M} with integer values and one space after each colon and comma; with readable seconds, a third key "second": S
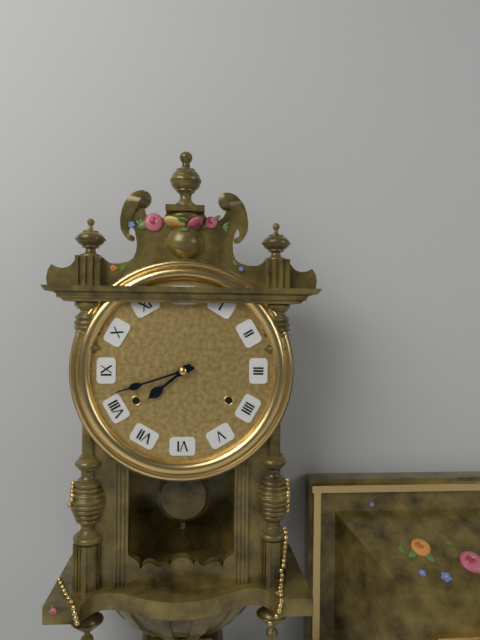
{"hour": 7, "minute": 42}
